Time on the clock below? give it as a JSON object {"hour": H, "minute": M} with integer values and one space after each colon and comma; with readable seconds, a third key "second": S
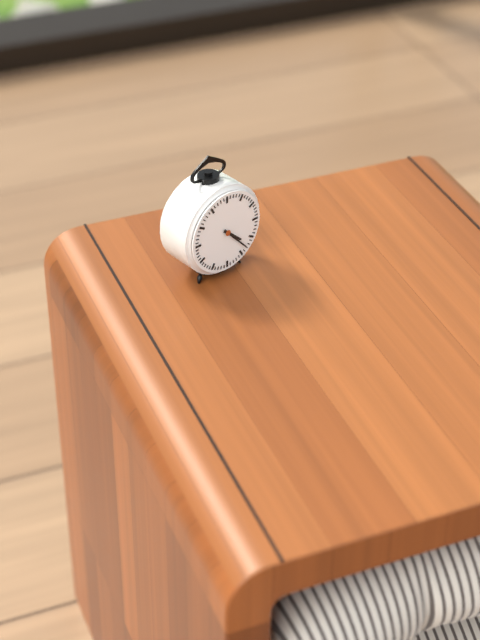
{"hour": 4, "minute": 23}
